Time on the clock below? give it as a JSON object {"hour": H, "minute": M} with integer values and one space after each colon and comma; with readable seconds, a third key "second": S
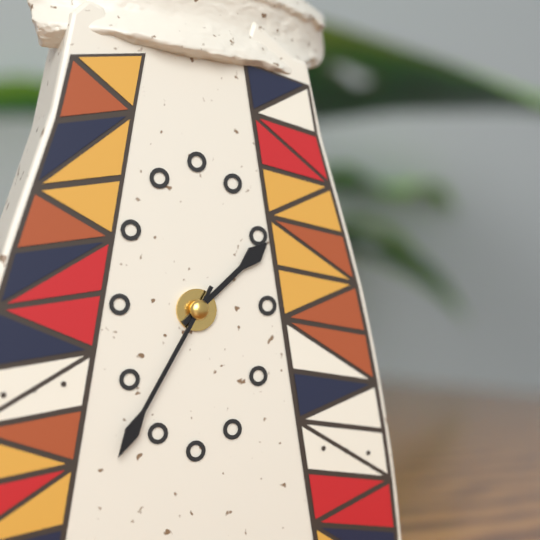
{"hour": 1, "minute": 35}
